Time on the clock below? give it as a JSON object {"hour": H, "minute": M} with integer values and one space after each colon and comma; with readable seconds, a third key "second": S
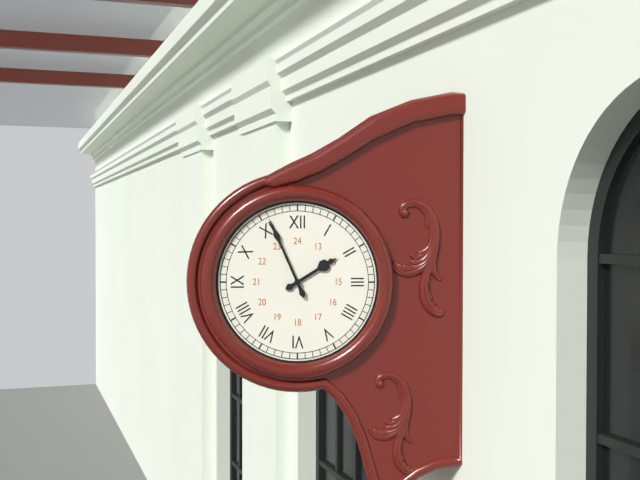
{"hour": 1, "minute": 56}
